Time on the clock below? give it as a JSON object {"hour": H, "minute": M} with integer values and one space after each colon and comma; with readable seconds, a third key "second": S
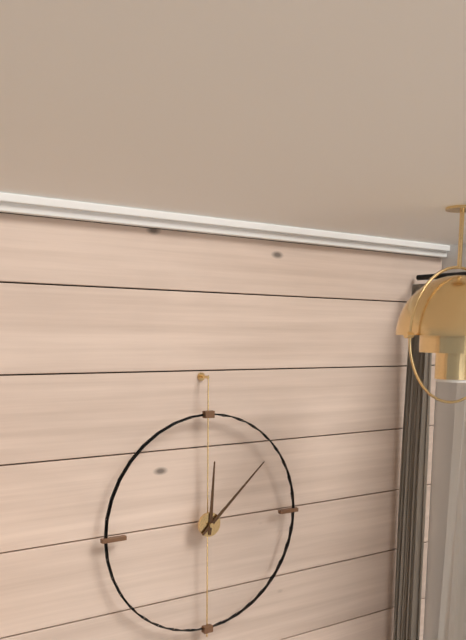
{"hour": 12, "minute": 8}
